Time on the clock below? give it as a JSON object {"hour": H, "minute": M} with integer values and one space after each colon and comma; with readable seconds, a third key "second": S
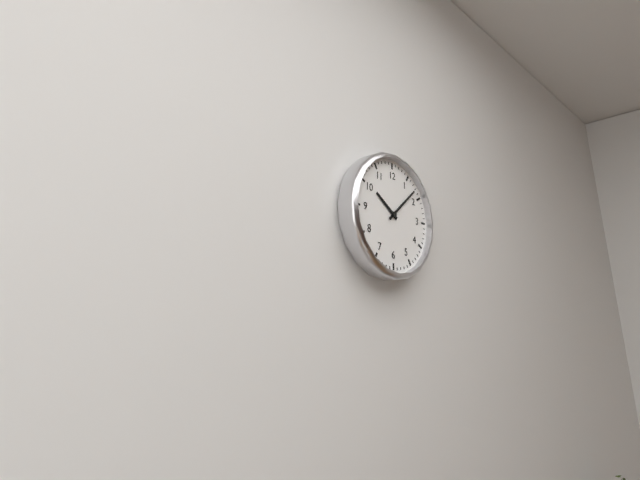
{"hour": 10, "minute": 8}
